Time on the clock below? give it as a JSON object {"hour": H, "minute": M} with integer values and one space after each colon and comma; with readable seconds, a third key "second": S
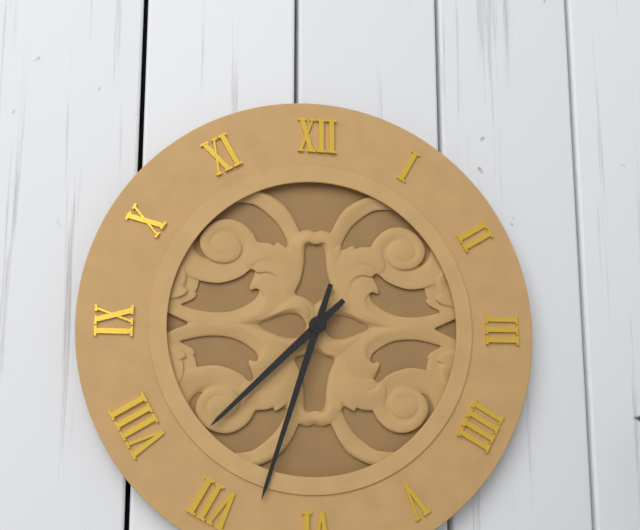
{"hour": 7, "minute": 33}
